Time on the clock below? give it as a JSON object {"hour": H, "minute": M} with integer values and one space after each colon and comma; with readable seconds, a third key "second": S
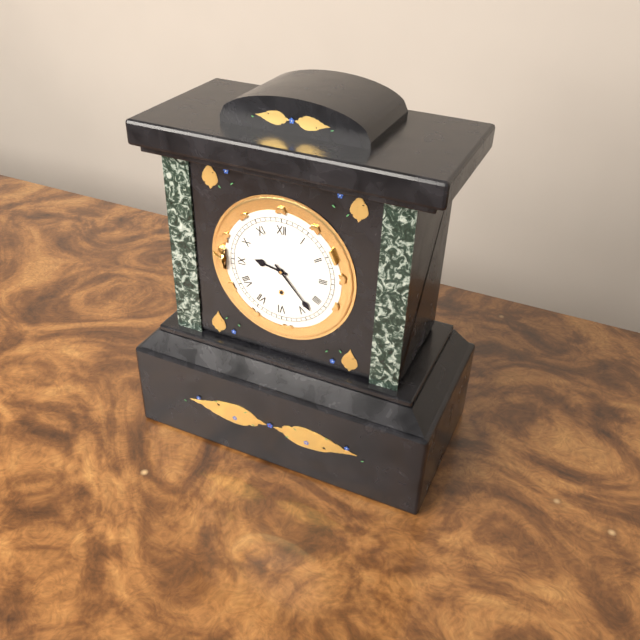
{"hour": 9, "minute": 23}
